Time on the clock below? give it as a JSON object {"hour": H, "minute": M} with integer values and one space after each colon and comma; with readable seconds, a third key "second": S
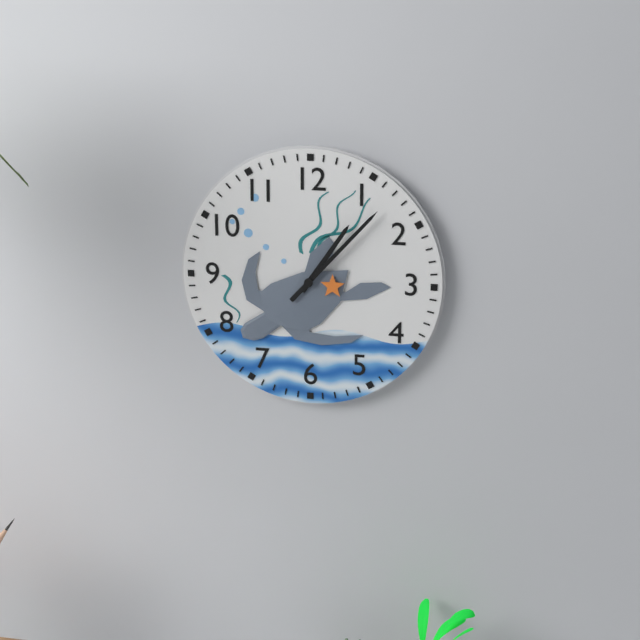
{"hour": 1, "minute": 7}
